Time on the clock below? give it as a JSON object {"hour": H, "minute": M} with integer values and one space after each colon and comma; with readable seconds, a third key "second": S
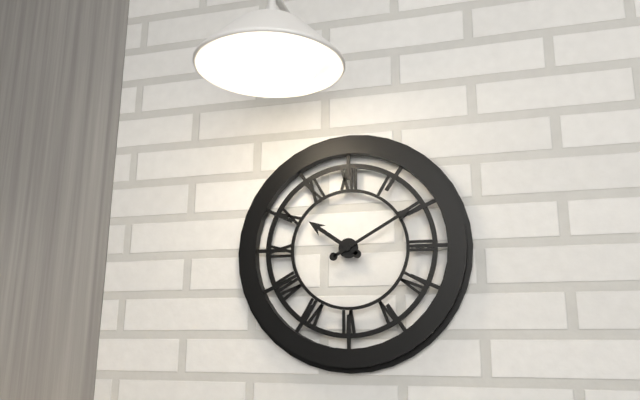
{"hour": 10, "minute": 10}
